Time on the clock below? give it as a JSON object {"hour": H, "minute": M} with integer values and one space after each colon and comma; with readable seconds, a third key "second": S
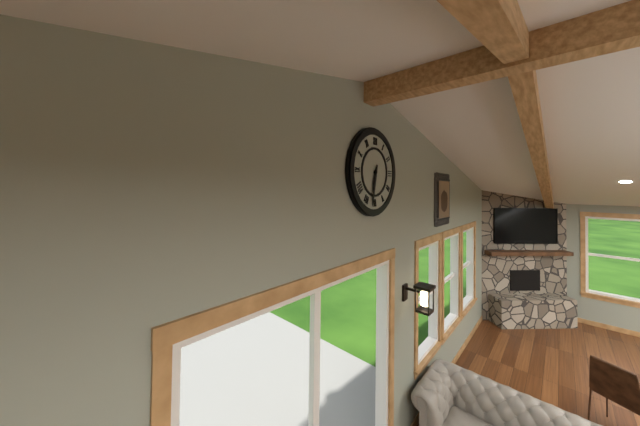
{"hour": 6, "minute": 32}
